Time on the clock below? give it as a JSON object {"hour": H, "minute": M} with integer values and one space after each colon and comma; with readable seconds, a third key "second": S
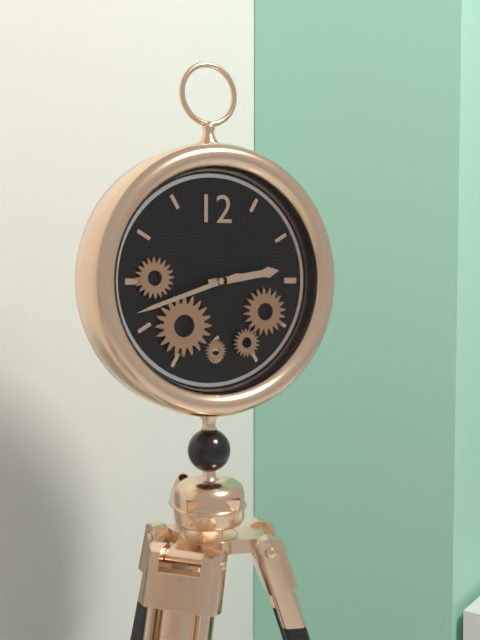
{"hour": 2, "minute": 42}
